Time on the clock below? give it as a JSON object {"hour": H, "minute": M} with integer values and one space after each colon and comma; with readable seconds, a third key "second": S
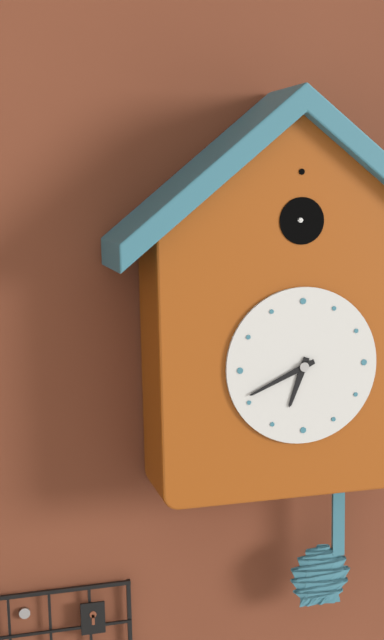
{"hour": 6, "minute": 41}
